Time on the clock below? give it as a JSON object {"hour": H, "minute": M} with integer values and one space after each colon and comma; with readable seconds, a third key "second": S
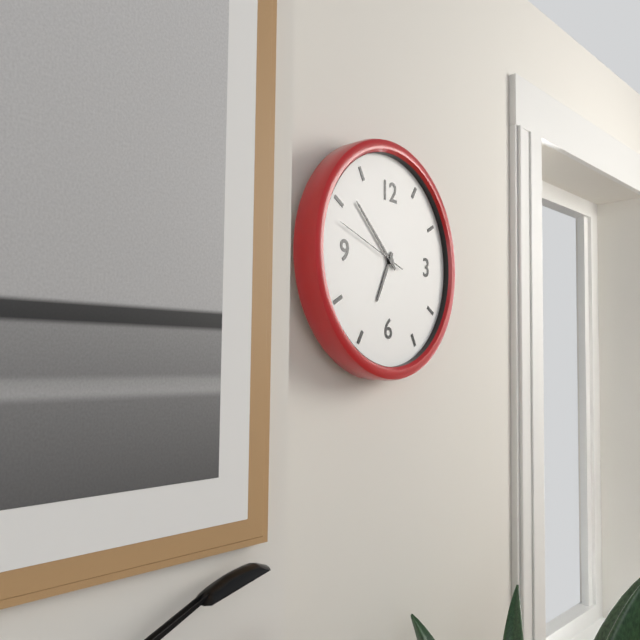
{"hour": 6, "minute": 52, "second": 48}
